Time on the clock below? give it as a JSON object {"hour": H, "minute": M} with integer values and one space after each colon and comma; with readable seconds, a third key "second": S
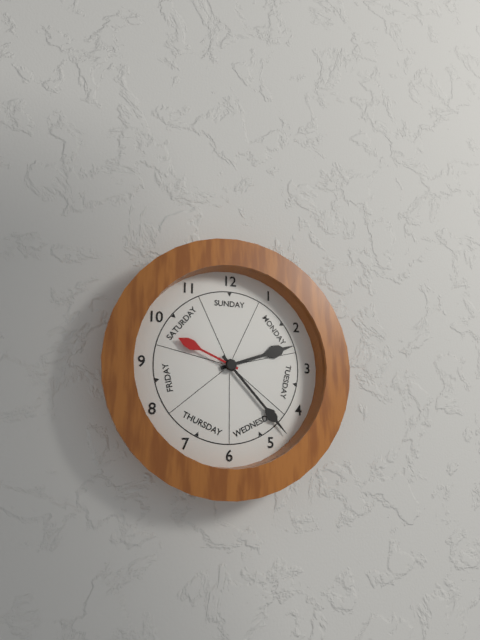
{"hour": 2, "minute": 23, "second": 49}
